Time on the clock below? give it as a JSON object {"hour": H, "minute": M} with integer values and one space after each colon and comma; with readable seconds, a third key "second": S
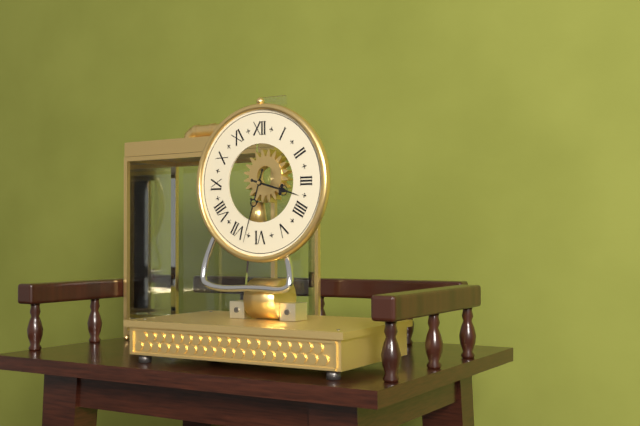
{"hour": 3, "minute": 33}
